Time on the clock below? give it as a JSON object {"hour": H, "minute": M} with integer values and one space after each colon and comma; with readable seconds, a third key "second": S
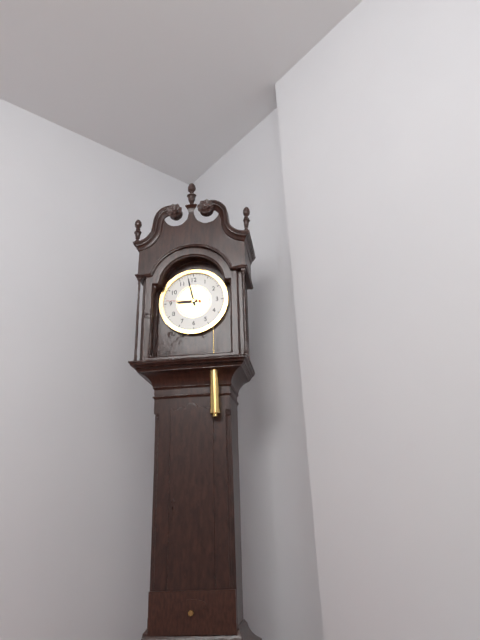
{"hour": 8, "minute": 58}
